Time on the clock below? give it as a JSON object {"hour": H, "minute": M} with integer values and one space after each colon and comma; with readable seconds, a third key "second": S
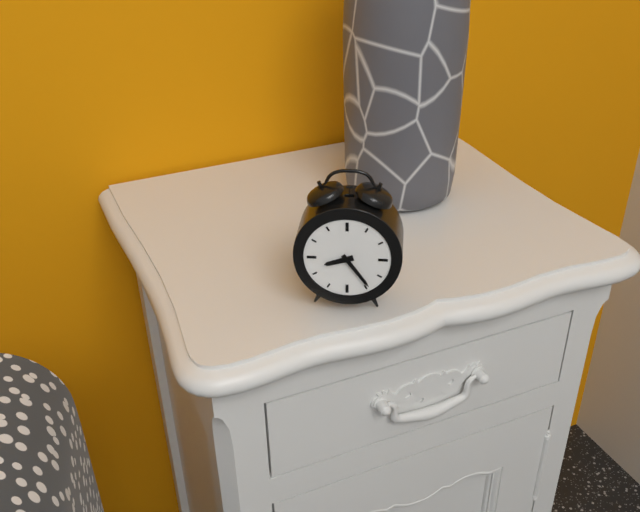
{"hour": 8, "minute": 24}
